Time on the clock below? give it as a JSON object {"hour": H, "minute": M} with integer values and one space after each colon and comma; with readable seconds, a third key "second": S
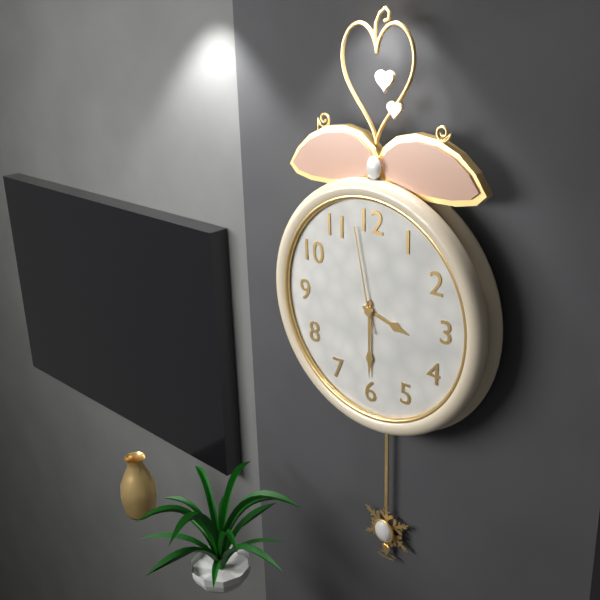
{"hour": 3, "minute": 30, "second": 58}
